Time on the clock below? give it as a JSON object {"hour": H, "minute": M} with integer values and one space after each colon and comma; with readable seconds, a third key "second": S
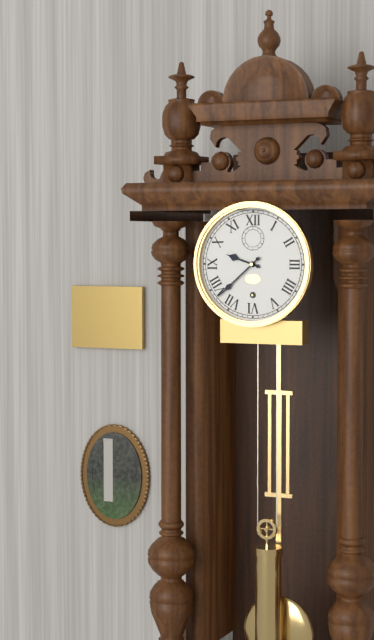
{"hour": 9, "minute": 38}
